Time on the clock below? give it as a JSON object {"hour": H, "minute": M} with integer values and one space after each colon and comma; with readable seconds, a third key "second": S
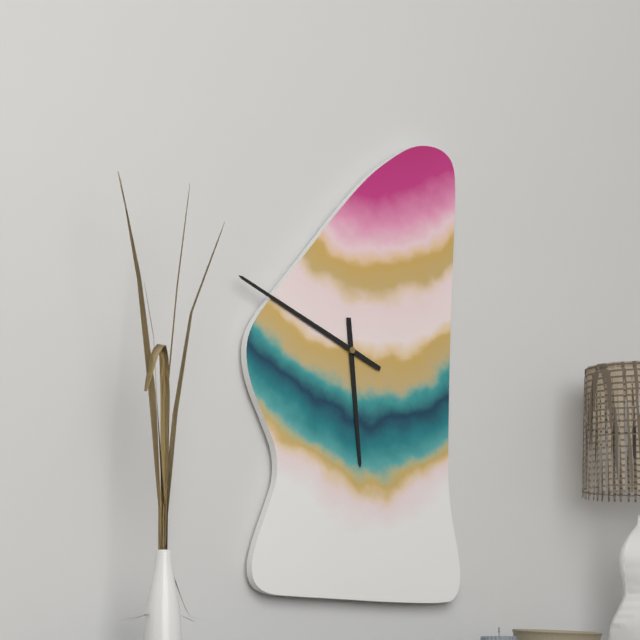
{"hour": 5, "minute": 49}
